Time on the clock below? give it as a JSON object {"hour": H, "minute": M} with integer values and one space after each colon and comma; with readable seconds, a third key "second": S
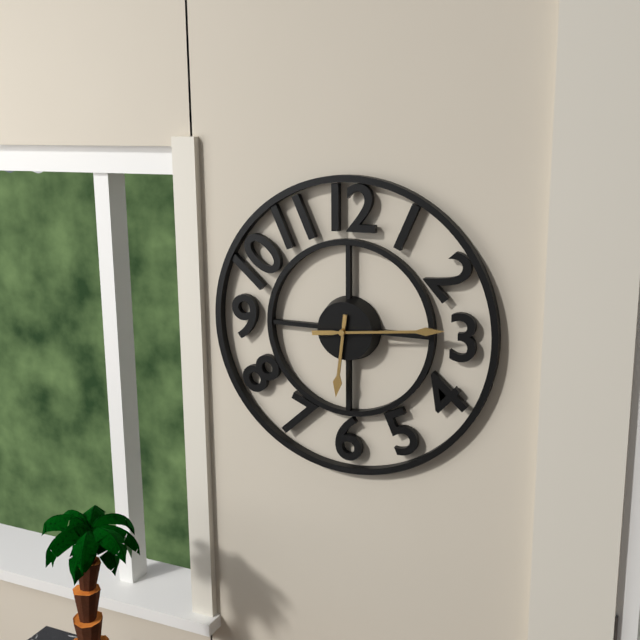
{"hour": 6, "minute": 14}
